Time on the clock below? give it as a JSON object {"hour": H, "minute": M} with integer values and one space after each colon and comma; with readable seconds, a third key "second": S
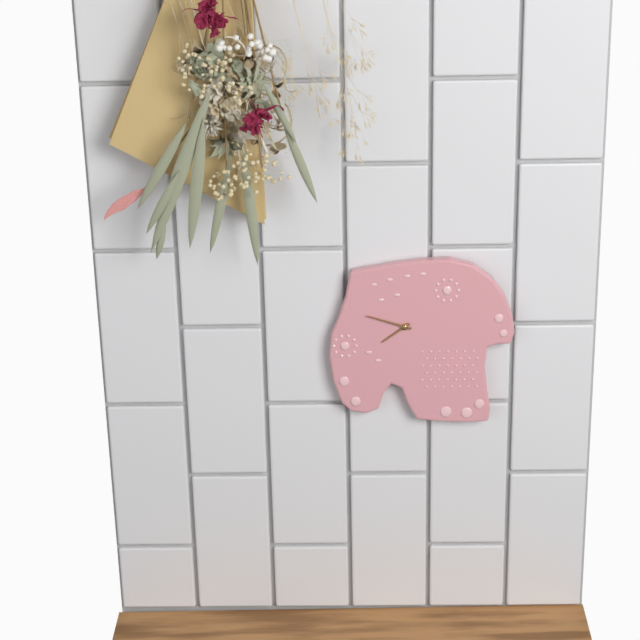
{"hour": 7, "minute": 48}
